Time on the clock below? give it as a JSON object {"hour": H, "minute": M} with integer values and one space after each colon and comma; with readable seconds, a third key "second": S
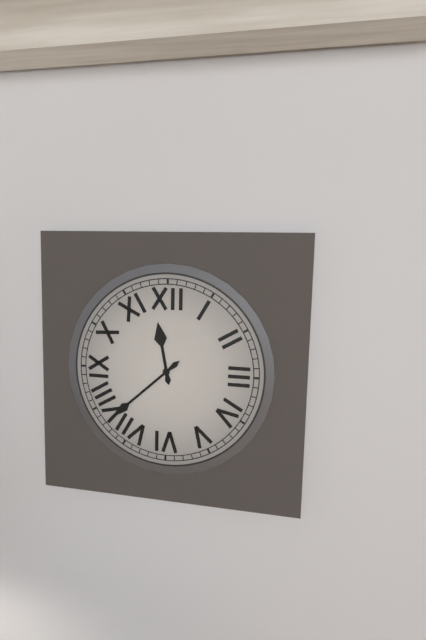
{"hour": 11, "minute": 38}
